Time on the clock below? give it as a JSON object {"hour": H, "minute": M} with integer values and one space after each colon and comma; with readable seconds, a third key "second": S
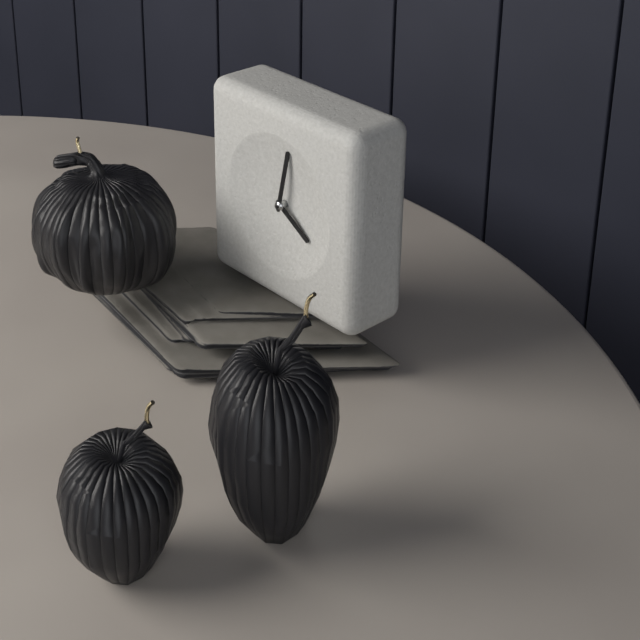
{"hour": 4, "minute": 2}
